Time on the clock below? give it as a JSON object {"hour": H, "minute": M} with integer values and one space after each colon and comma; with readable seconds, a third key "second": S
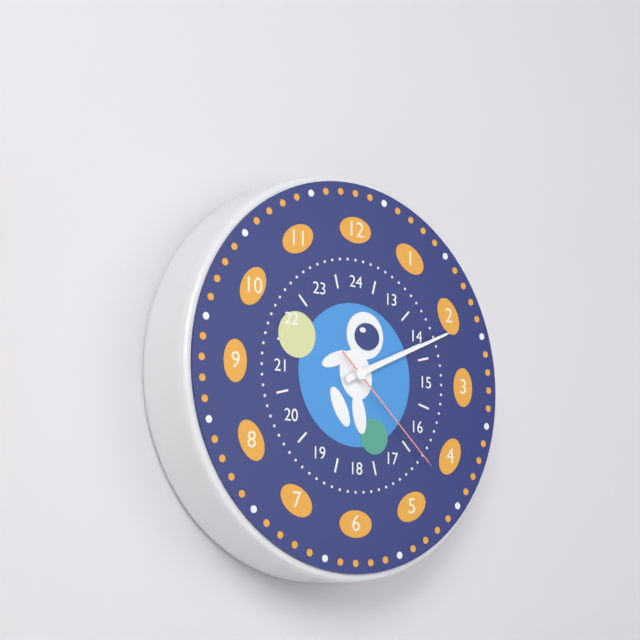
{"hour": 2, "minute": 11, "second": 22}
